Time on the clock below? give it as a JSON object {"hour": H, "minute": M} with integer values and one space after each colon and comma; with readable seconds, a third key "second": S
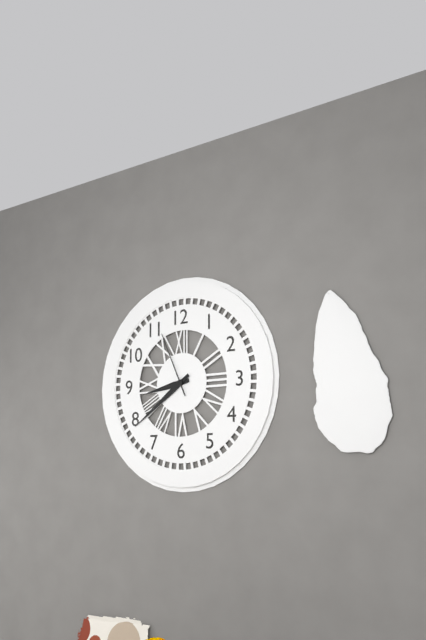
{"hour": 8, "minute": 39, "second": 56}
